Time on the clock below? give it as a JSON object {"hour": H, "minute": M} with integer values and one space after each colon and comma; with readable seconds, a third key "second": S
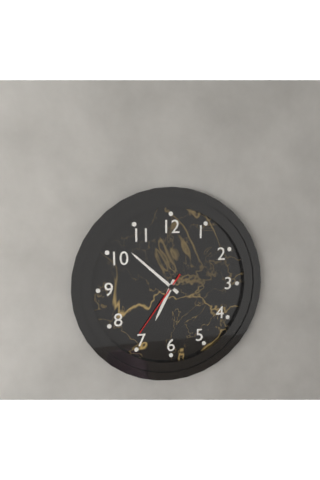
{"hour": 6, "minute": 52, "second": 36}
